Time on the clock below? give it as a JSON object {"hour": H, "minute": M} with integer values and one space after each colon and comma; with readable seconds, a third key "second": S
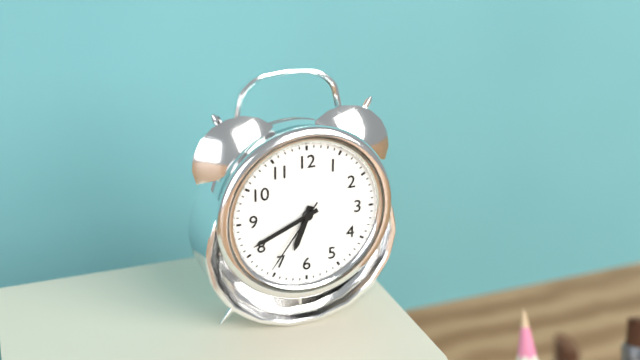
{"hour": 6, "minute": 41, "second": 36}
